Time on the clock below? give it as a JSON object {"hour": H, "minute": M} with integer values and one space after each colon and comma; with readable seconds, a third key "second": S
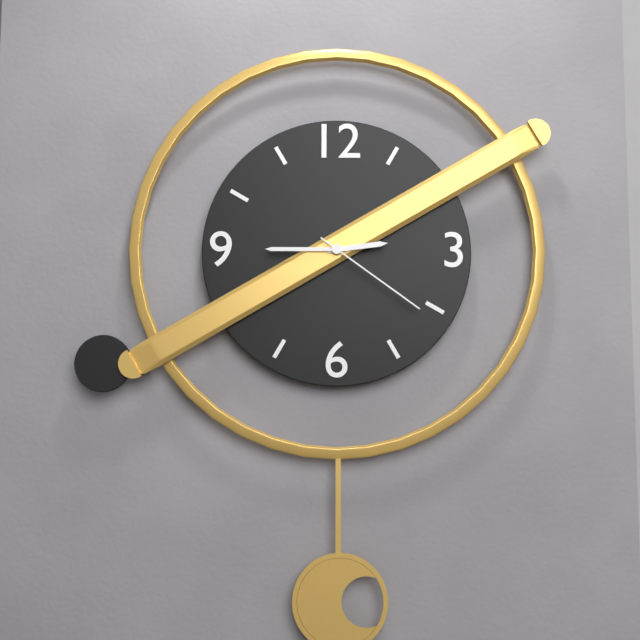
{"hour": 2, "minute": 45, "second": 21}
